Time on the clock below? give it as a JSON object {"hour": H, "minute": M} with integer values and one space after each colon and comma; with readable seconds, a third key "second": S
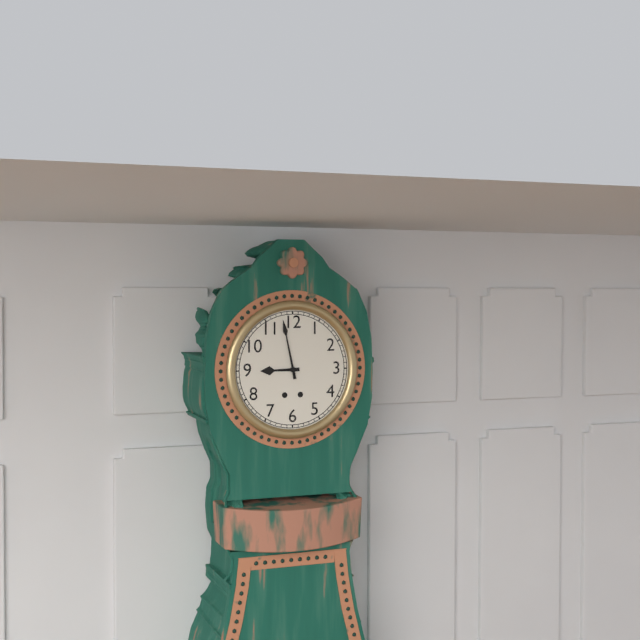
{"hour": 8, "minute": 58}
